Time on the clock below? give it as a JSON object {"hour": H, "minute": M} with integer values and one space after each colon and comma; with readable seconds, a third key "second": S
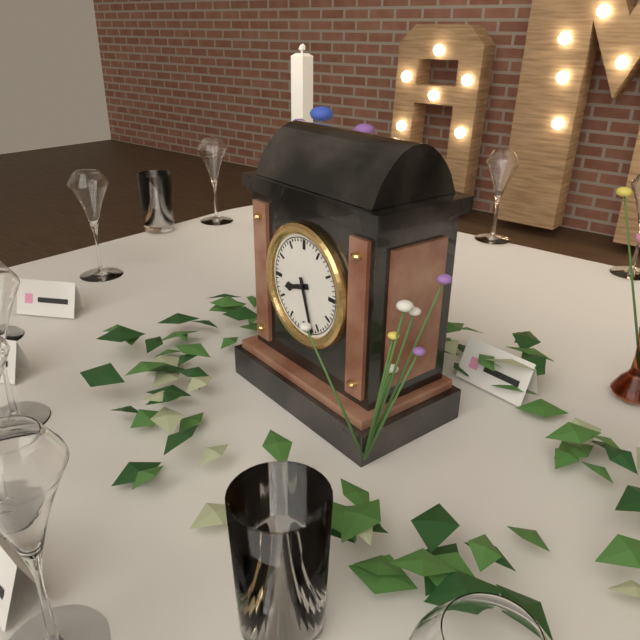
{"hour": 8, "minute": 27}
